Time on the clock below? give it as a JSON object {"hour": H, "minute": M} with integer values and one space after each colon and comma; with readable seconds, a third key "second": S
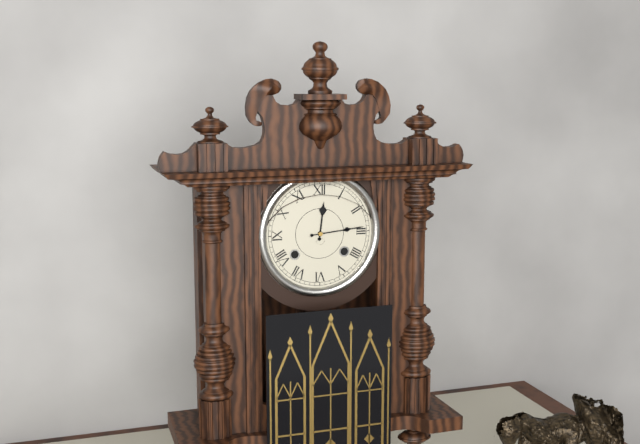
{"hour": 12, "minute": 14}
